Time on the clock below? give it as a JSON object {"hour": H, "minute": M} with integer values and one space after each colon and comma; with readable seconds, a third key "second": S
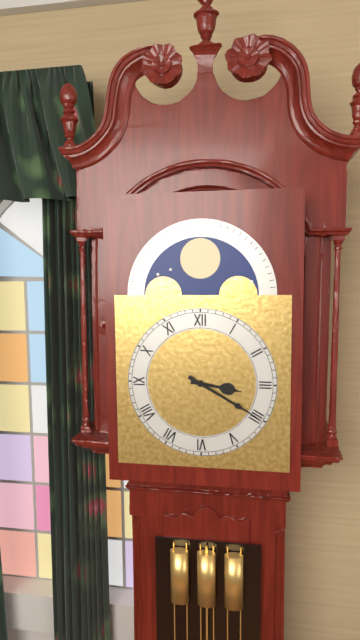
{"hour": 3, "minute": 20}
